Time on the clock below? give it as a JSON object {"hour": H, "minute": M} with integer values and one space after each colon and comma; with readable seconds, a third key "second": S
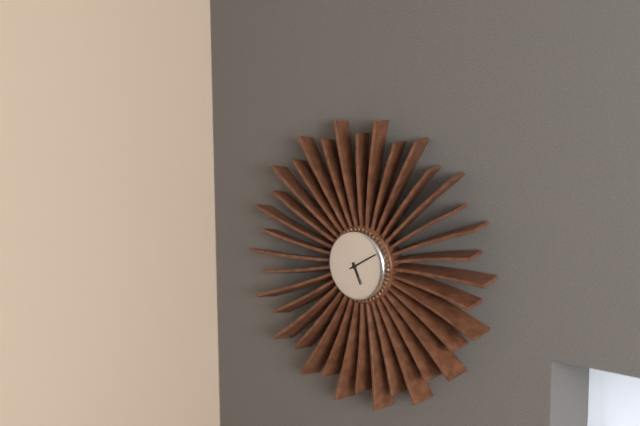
{"hour": 5, "minute": 10}
